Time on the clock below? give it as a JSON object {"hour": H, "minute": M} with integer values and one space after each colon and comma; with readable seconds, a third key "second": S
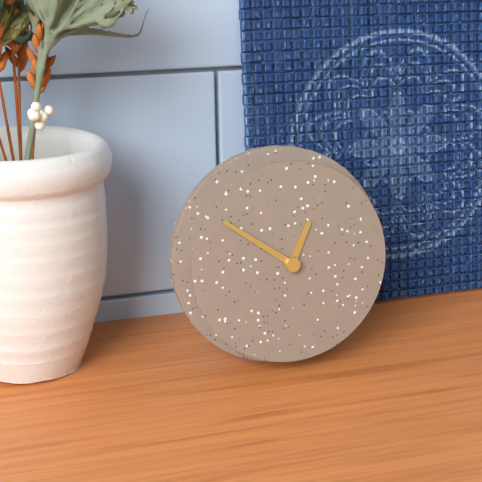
{"hour": 12, "minute": 51}
